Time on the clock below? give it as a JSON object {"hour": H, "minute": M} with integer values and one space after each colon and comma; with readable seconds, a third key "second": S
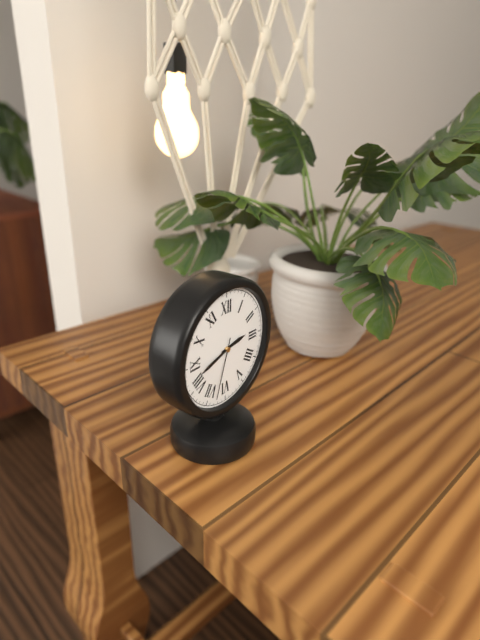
{"hour": 2, "minute": 42, "second": 33}
